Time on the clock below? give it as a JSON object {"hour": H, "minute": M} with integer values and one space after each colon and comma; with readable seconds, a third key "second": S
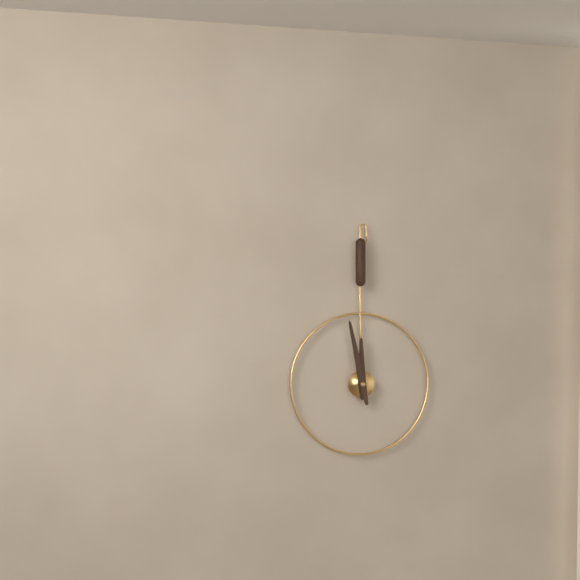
{"hour": 11, "minute": 58}
